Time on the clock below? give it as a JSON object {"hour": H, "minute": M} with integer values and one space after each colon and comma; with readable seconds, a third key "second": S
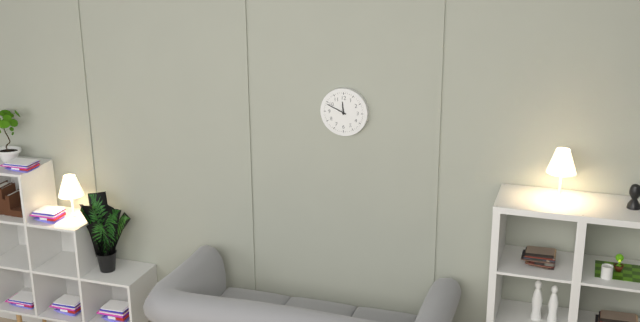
{"hour": 11, "minute": 49}
